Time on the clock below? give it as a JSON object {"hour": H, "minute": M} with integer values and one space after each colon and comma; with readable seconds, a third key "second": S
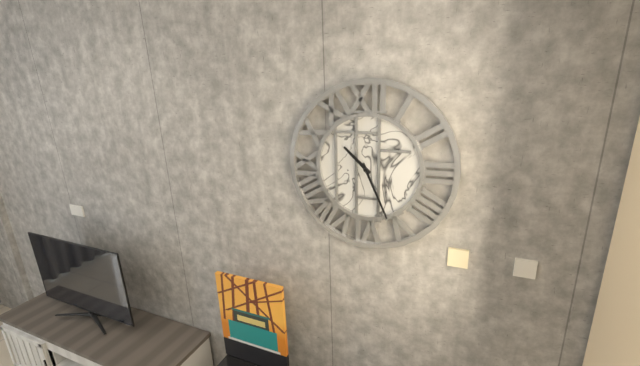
{"hour": 10, "minute": 26}
